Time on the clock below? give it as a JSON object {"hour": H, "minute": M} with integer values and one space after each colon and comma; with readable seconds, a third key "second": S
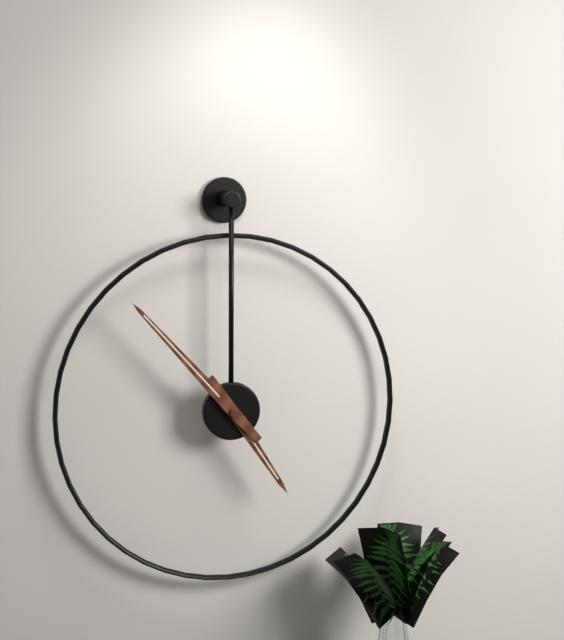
{"hour": 4, "minute": 53}
